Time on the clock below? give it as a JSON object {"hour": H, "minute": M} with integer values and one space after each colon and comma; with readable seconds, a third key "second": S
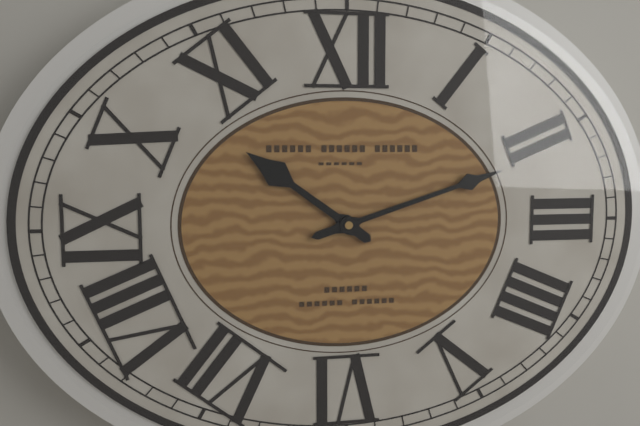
{"hour": 10, "minute": 12}
